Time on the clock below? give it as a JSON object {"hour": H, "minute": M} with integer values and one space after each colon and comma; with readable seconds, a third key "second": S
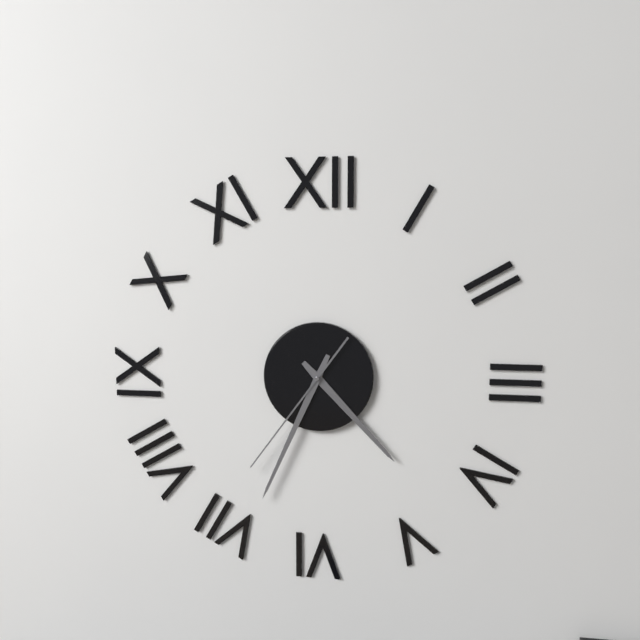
{"hour": 4, "minute": 34, "second": 36}
